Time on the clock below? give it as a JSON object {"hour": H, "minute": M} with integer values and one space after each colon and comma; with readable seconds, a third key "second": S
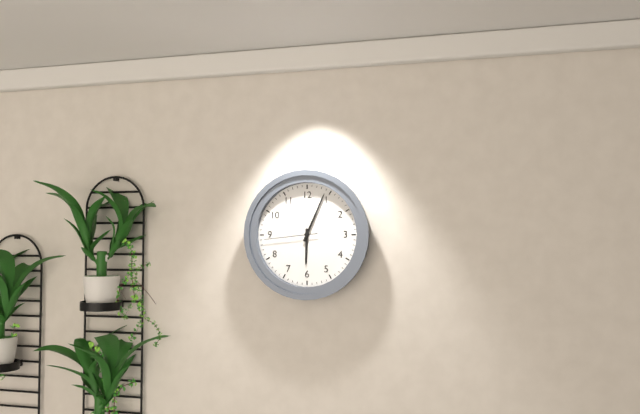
{"hour": 6, "minute": 4, "second": 44}
